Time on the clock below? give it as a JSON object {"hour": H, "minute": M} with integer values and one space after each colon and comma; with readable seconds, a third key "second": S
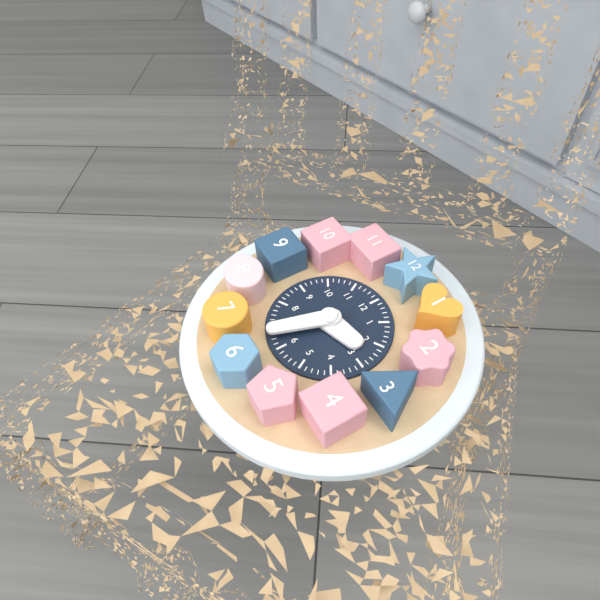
{"hour": 2, "minute": 33}
